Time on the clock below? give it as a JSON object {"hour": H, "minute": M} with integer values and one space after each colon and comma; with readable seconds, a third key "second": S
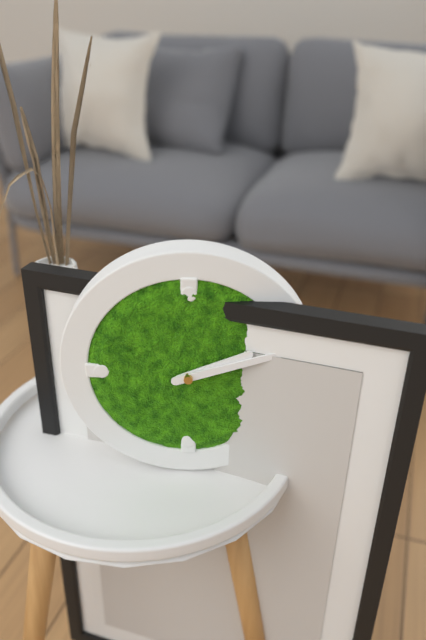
{"hour": 2, "minute": 12}
